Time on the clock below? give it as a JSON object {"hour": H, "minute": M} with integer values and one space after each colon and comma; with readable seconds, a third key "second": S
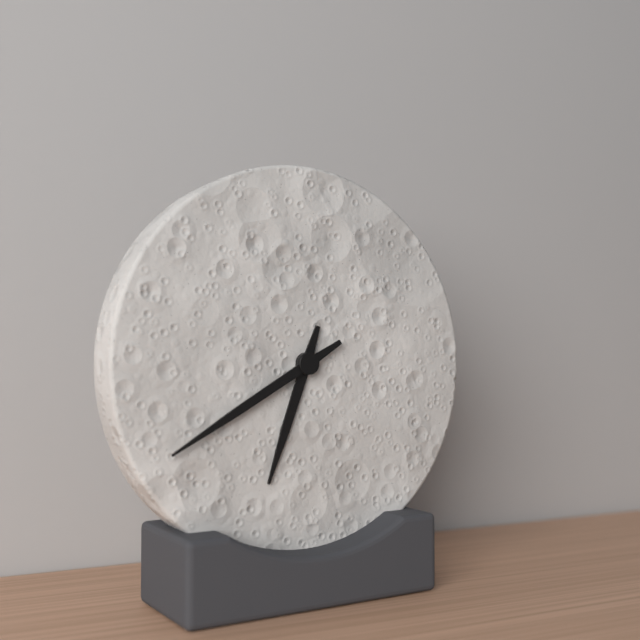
{"hour": 6, "minute": 40}
